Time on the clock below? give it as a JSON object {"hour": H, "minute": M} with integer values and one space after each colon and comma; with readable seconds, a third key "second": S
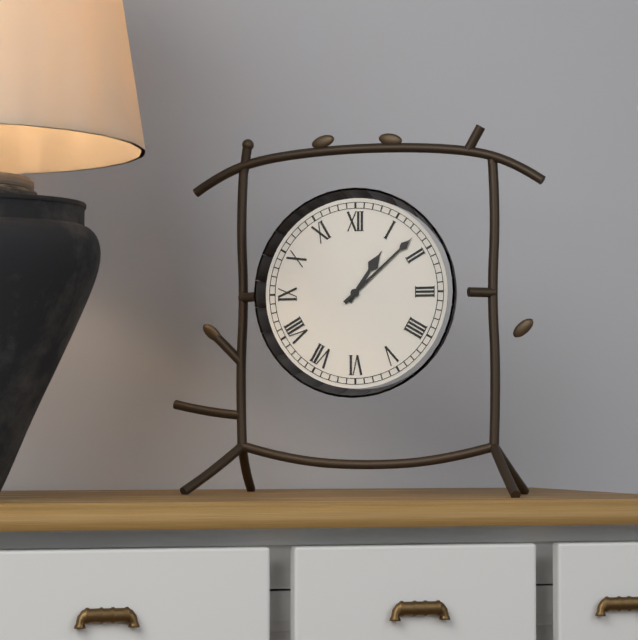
{"hour": 1, "minute": 8}
